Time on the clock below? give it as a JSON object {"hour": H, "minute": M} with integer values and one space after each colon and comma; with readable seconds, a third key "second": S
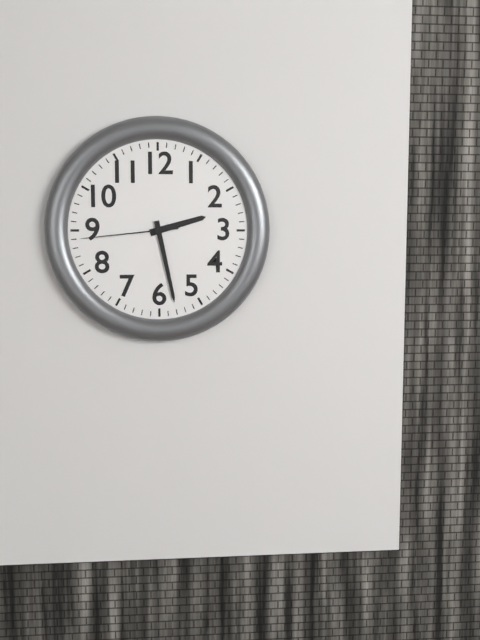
{"hour": 2, "minute": 28, "second": 44}
